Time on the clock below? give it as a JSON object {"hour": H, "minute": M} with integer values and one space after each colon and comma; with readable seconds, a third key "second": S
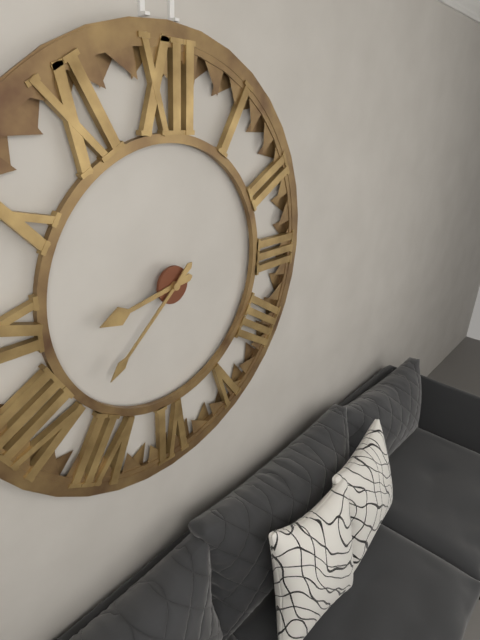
{"hour": 8, "minute": 38}
